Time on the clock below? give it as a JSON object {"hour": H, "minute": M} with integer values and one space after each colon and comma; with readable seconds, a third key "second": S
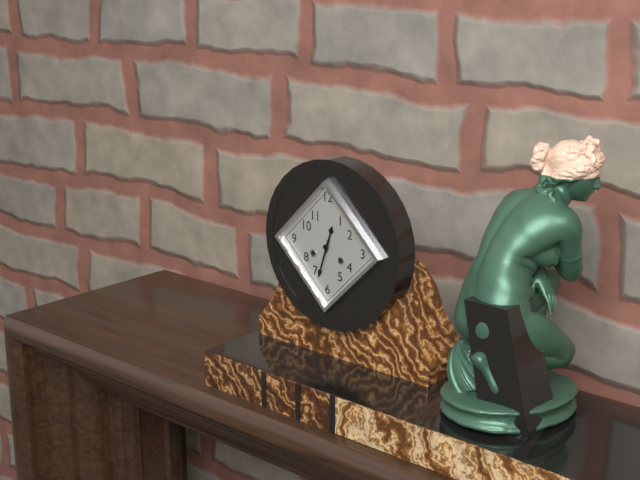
{"hour": 12, "minute": 33}
